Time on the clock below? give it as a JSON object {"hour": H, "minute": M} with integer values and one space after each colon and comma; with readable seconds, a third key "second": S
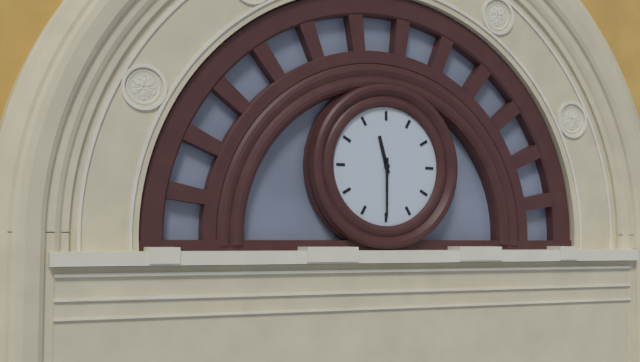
{"hour": 11, "minute": 30}
